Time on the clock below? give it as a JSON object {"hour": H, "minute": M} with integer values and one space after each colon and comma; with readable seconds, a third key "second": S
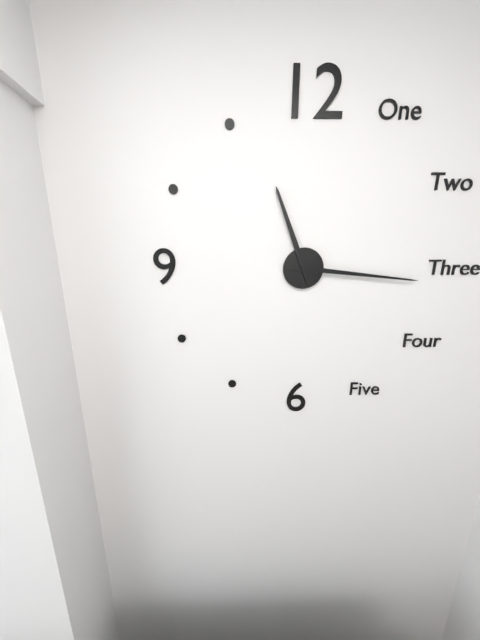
{"hour": 11, "minute": 16}
